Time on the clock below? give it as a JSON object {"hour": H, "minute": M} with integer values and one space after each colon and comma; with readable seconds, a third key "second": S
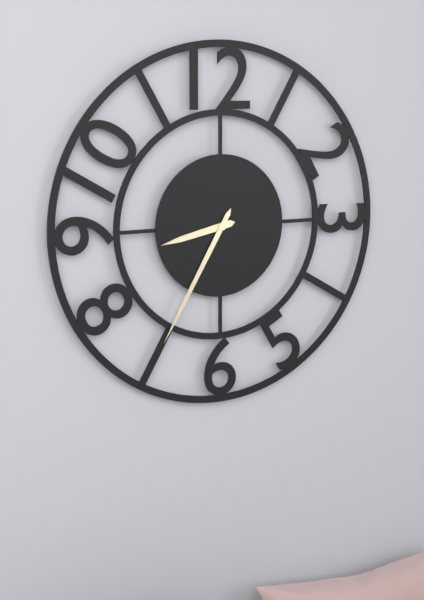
{"hour": 8, "minute": 35}
